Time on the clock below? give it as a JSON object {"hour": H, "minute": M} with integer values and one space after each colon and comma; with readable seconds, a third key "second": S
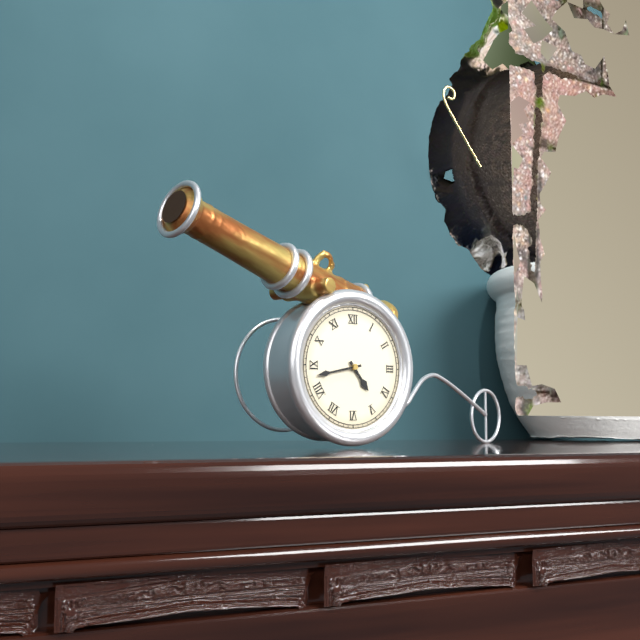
{"hour": 4, "minute": 43}
